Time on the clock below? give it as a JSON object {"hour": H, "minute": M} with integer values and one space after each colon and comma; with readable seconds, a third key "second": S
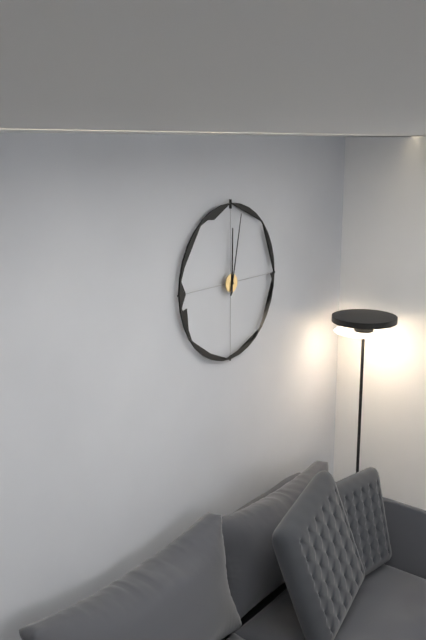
{"hour": 12, "minute": 2}
